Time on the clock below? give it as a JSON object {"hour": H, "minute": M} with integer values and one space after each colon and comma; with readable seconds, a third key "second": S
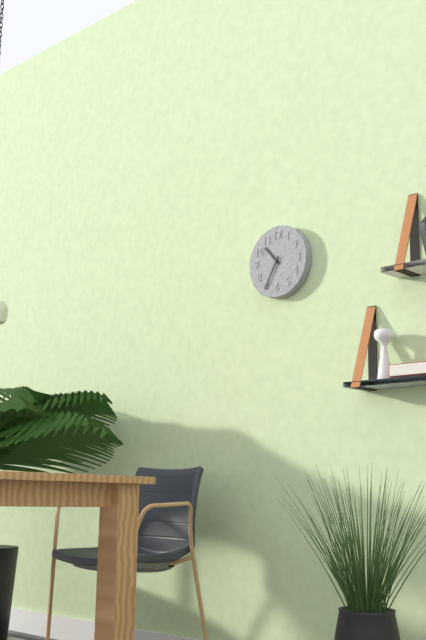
{"hour": 10, "minute": 35}
